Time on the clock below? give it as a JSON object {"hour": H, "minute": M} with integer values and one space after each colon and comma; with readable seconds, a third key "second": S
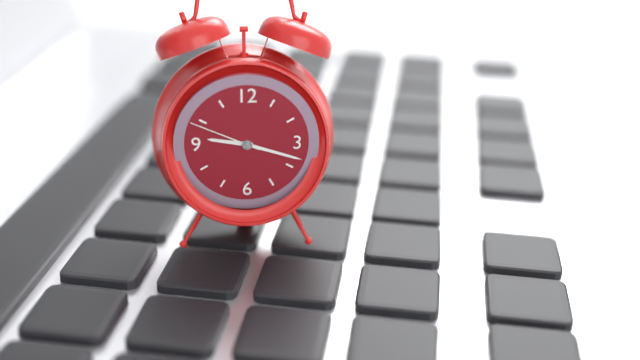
{"hour": 9, "minute": 18, "second": 49}
